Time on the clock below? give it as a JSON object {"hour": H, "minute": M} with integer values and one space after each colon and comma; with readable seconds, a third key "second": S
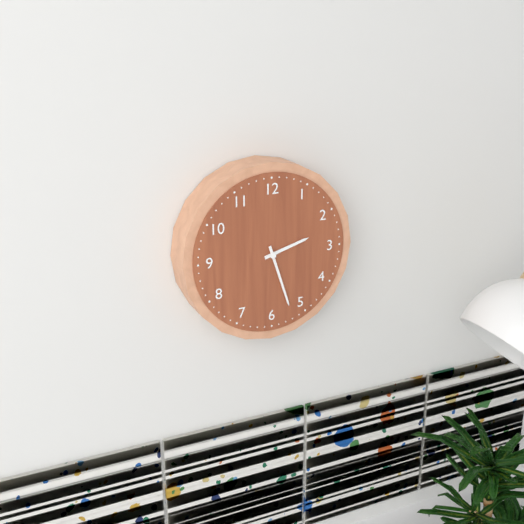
{"hour": 2, "minute": 27}
